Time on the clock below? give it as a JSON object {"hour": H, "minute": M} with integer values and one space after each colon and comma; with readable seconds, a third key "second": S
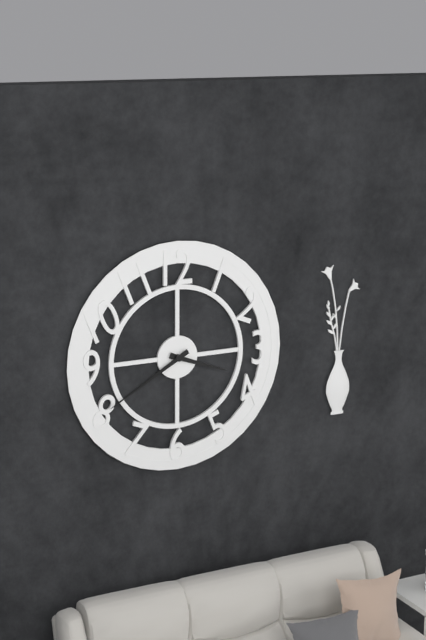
{"hour": 3, "minute": 40}
